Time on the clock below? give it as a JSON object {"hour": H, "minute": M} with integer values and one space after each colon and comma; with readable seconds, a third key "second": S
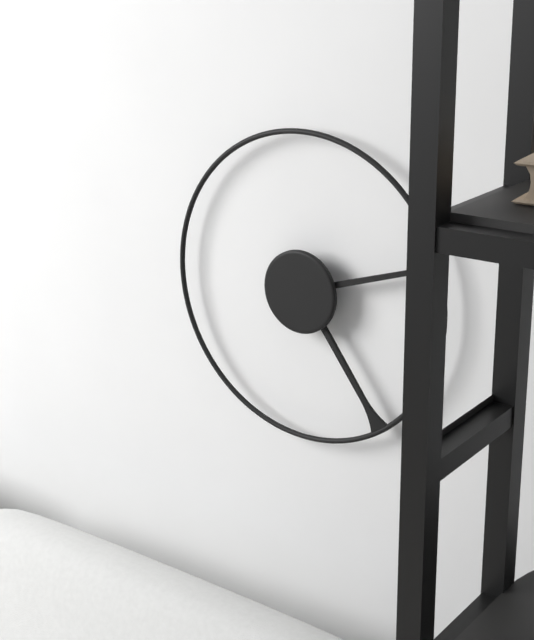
{"hour": 2, "minute": 24}
